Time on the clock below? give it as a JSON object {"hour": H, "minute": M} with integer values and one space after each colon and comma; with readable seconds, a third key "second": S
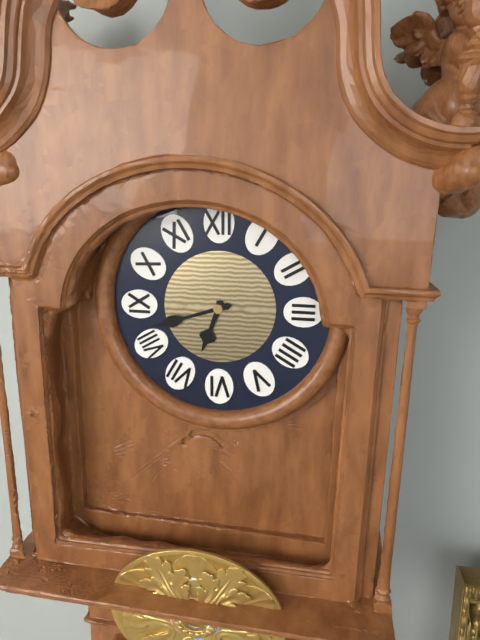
{"hour": 6, "minute": 42}
